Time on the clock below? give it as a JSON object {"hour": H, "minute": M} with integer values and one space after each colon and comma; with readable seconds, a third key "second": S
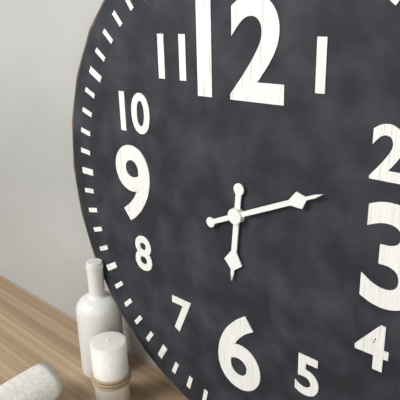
{"hour": 6, "minute": 11}
